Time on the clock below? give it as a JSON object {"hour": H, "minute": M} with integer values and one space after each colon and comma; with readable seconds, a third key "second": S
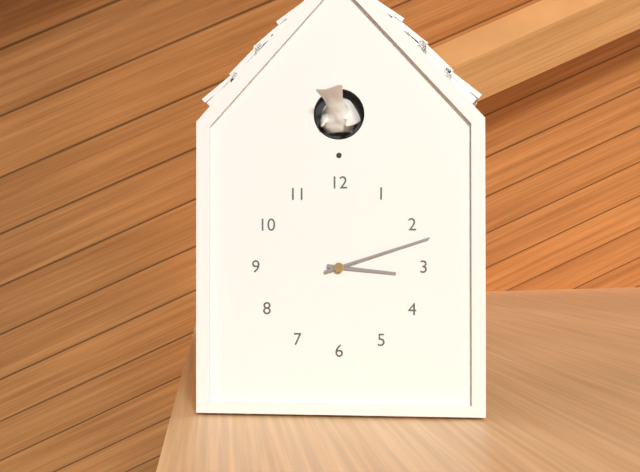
{"hour": 3, "minute": 12}
